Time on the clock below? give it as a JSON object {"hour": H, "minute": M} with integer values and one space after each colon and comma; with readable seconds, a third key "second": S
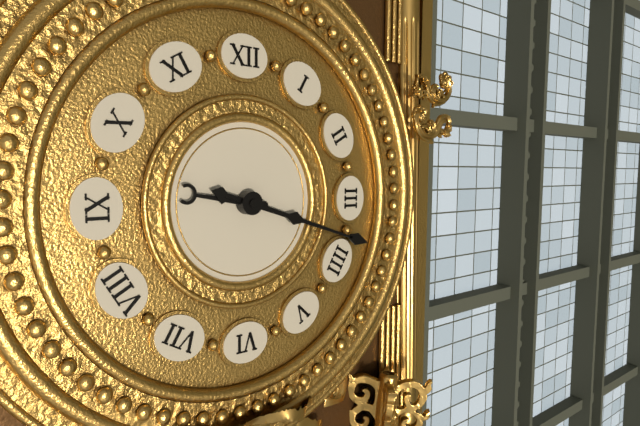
{"hour": 9, "minute": 18}
